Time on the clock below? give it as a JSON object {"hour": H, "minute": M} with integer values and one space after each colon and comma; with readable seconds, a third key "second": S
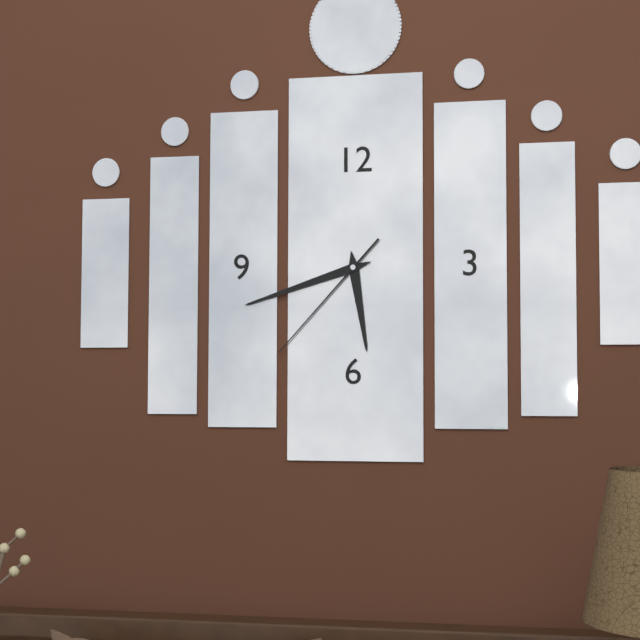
{"hour": 5, "minute": 42, "second": 37}
